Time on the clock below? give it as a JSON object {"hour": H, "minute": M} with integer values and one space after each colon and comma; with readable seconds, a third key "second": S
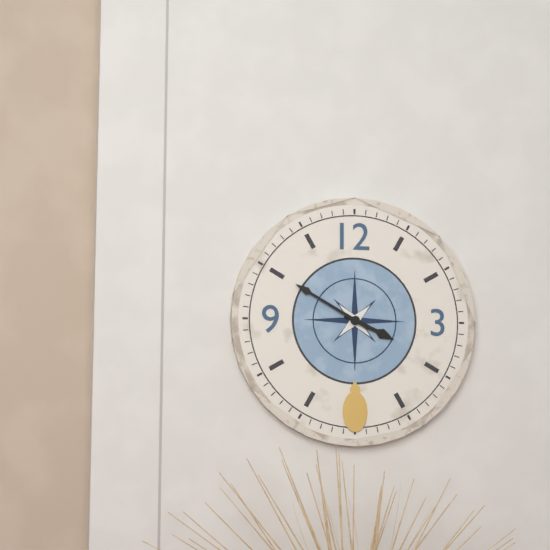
{"hour": 3, "minute": 50}
